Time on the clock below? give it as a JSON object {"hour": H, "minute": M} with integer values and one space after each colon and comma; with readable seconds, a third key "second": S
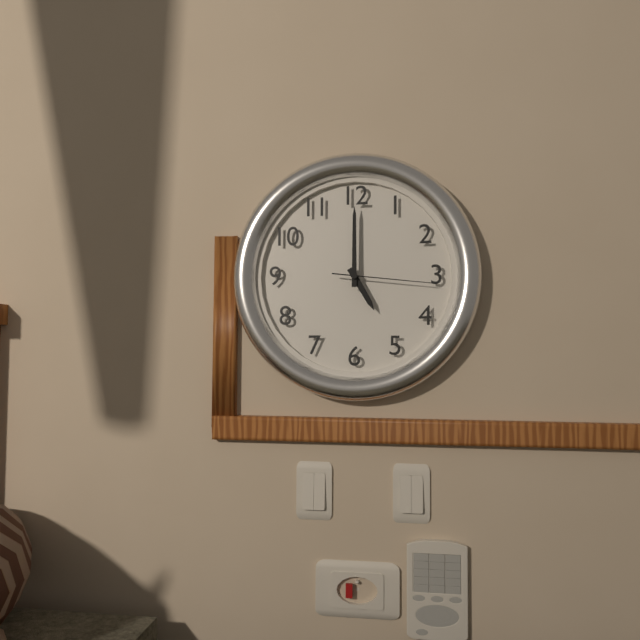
{"hour": 5, "minute": 0, "second": 16}
